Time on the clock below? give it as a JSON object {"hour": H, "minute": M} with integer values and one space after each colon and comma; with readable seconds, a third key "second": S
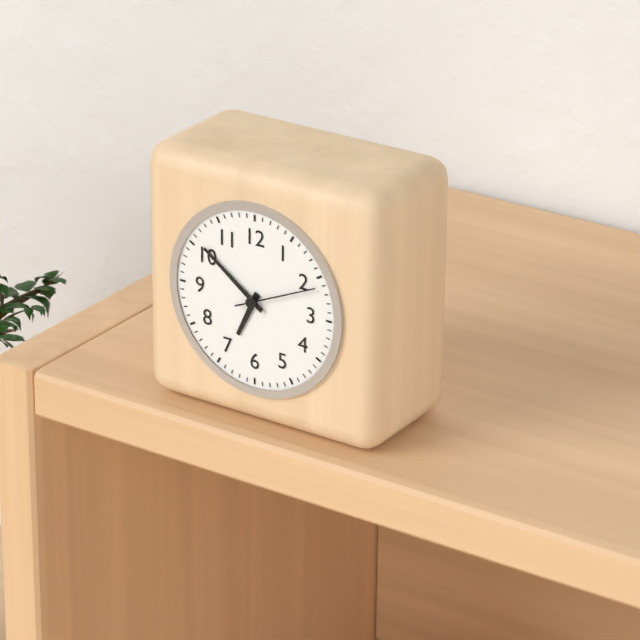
{"hour": 6, "minute": 51, "second": 11}
